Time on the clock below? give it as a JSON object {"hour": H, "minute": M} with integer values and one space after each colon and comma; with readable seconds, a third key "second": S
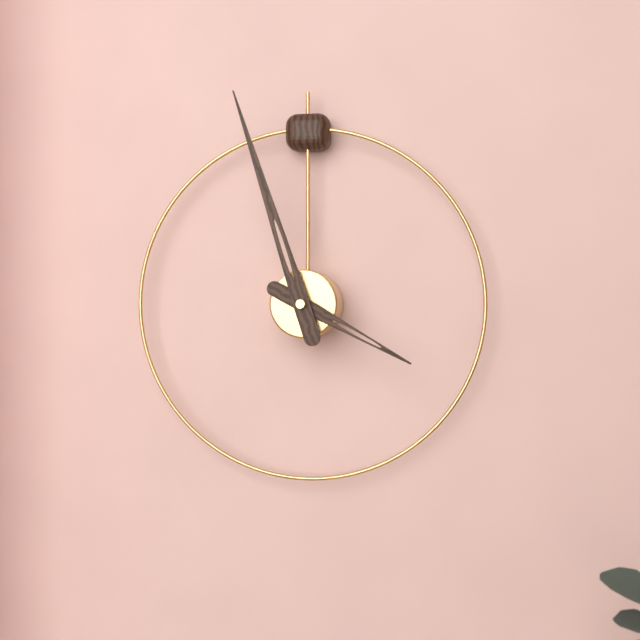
{"hour": 3, "minute": 57}
